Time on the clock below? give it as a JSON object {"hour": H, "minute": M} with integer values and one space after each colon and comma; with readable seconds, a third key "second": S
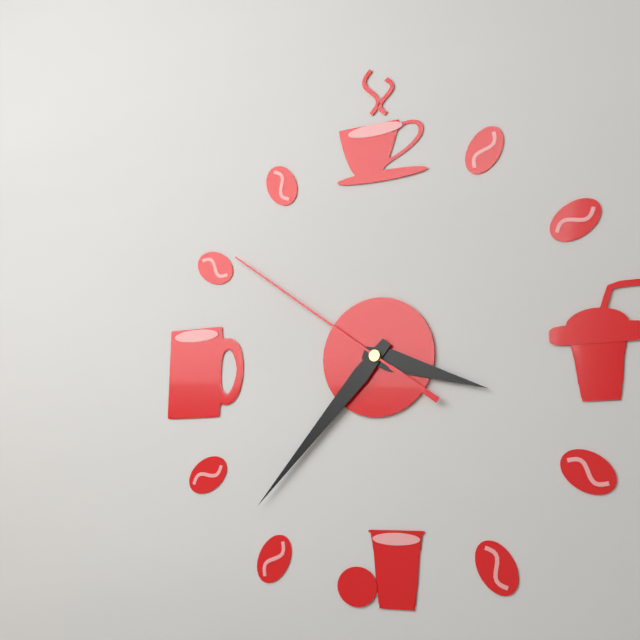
{"hour": 3, "minute": 37, "second": 51}
